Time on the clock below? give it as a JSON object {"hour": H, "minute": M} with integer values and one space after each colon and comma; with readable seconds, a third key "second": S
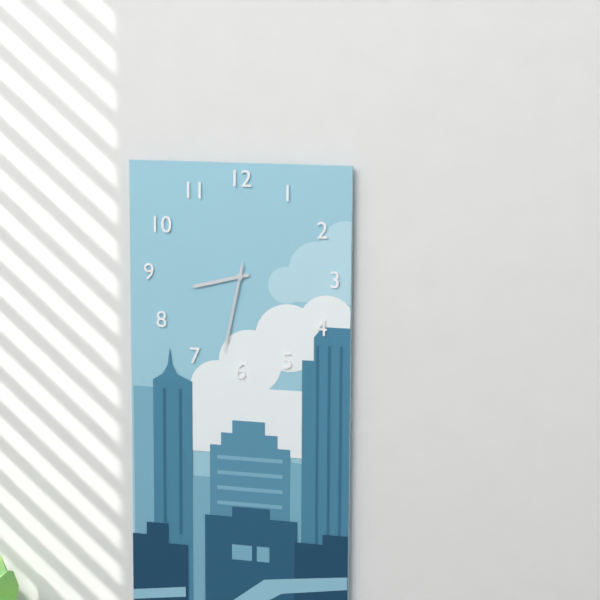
{"hour": 8, "minute": 32, "second": 32}
